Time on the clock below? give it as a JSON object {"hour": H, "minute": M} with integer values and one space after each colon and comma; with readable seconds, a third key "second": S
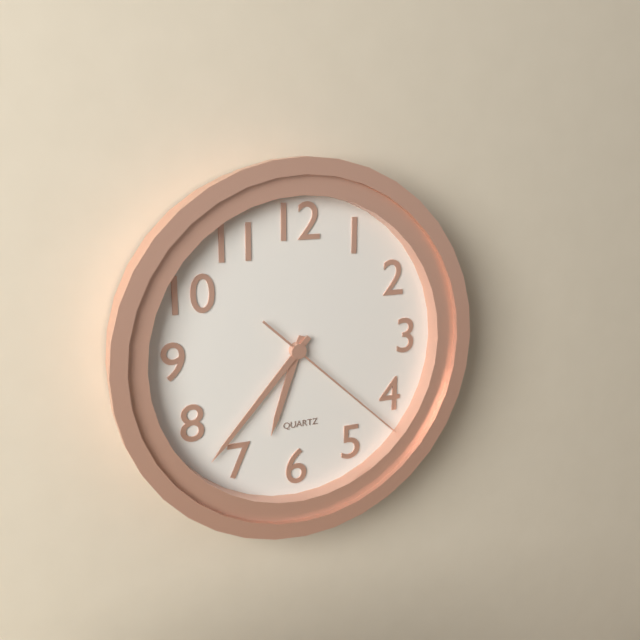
{"hour": 6, "minute": 37, "second": 22}
